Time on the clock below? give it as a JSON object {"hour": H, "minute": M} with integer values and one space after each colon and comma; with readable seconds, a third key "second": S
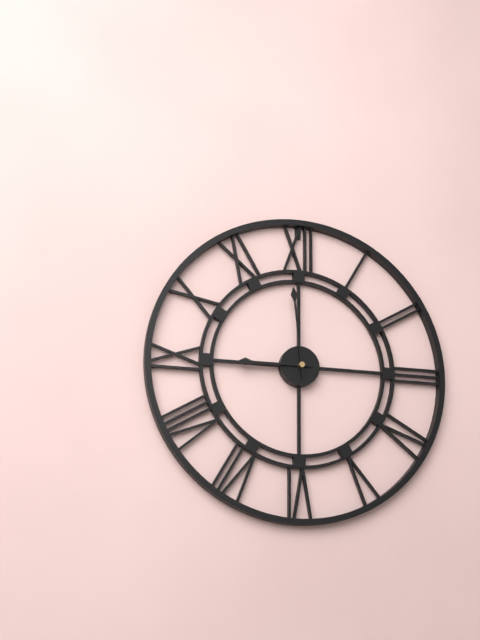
{"hour": 8, "minute": 59}
